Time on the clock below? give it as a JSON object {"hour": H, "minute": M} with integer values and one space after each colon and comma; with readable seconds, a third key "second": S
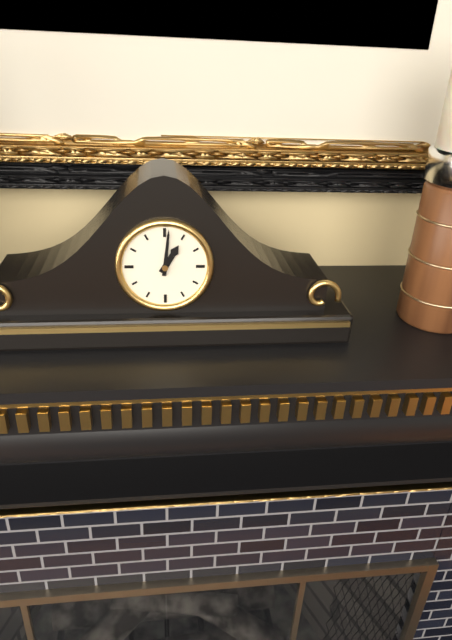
{"hour": 1, "minute": 1}
